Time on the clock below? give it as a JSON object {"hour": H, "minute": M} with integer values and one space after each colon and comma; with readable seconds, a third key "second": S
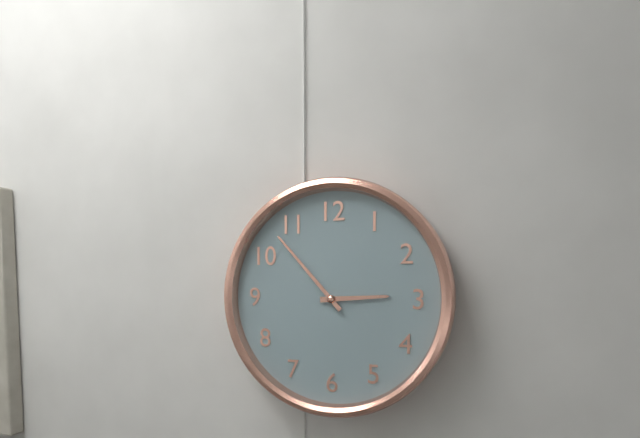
{"hour": 2, "minute": 53}
